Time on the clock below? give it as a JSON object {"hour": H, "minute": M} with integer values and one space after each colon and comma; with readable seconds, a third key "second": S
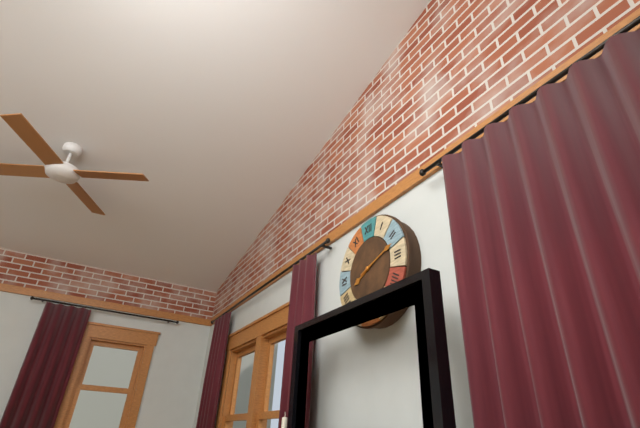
{"hour": 8, "minute": 12}
